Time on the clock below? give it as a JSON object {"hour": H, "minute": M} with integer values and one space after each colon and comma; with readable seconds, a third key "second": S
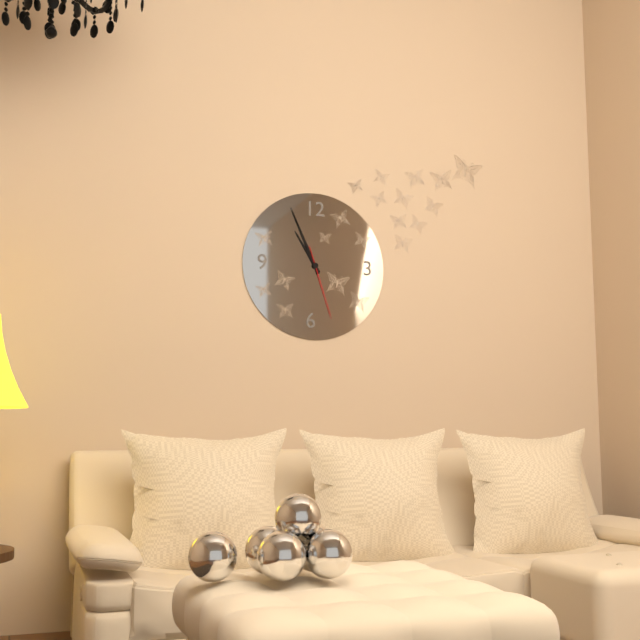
{"hour": 10, "minute": 56, "second": 27}
